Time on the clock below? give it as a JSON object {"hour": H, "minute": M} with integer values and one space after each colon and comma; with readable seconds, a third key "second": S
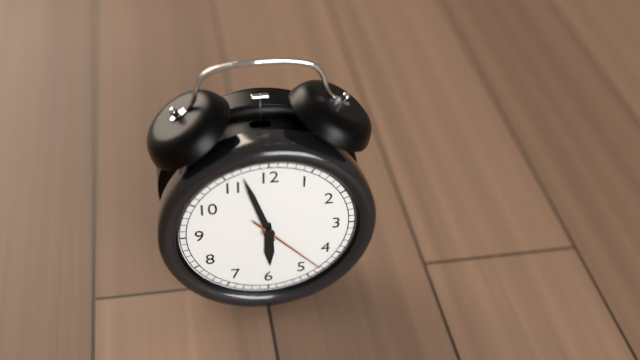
{"hour": 5, "minute": 57, "second": 23}
